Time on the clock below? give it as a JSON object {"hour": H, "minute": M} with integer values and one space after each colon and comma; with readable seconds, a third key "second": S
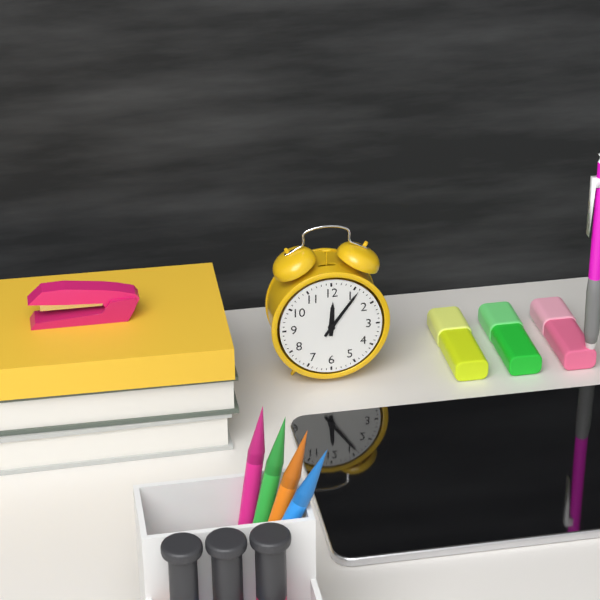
{"hour": 12, "minute": 6}
